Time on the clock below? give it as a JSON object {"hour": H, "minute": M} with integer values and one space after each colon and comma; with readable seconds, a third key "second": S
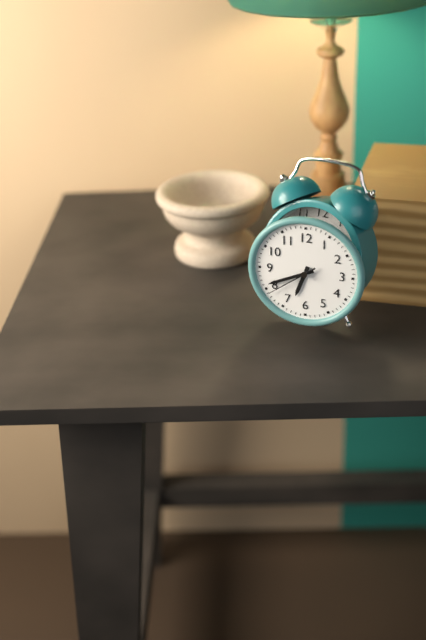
{"hour": 6, "minute": 41, "second": 39}
